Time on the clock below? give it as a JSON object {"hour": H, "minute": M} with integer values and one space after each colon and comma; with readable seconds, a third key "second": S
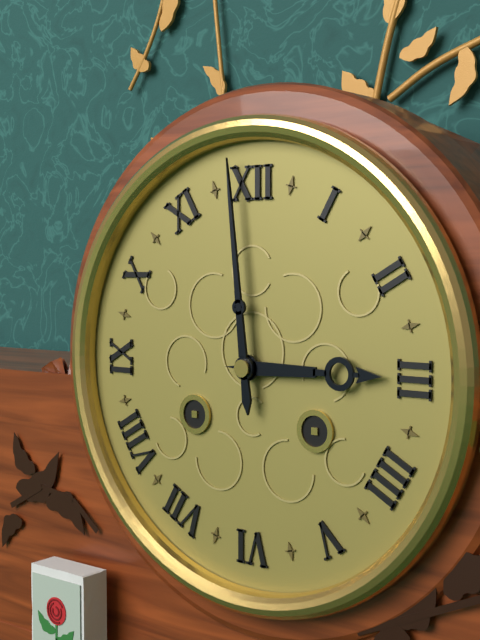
{"hour": 2, "minute": 59}
